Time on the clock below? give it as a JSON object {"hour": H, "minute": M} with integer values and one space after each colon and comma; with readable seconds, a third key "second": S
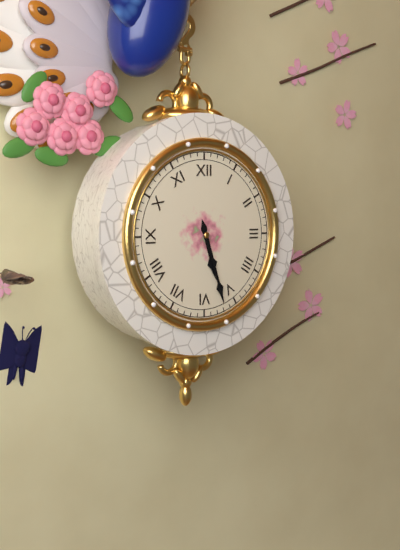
{"hour": 5, "minute": 27}
